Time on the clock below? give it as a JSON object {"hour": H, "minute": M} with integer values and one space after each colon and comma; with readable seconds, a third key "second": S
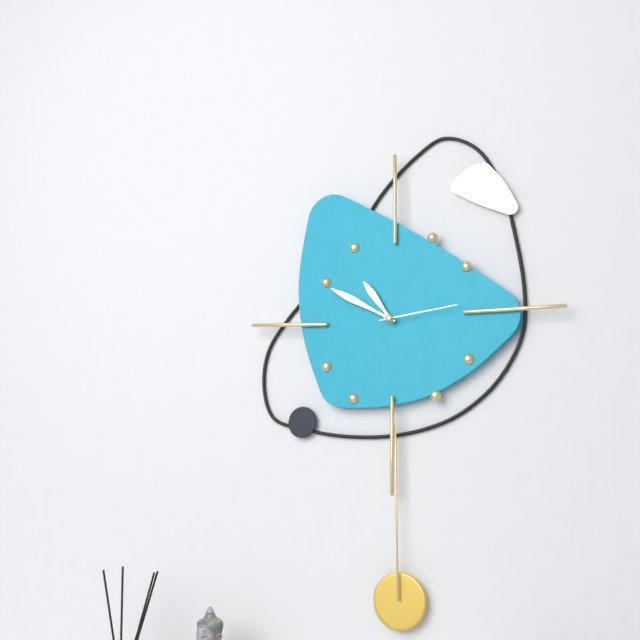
{"hour": 10, "minute": 50, "second": 14}
